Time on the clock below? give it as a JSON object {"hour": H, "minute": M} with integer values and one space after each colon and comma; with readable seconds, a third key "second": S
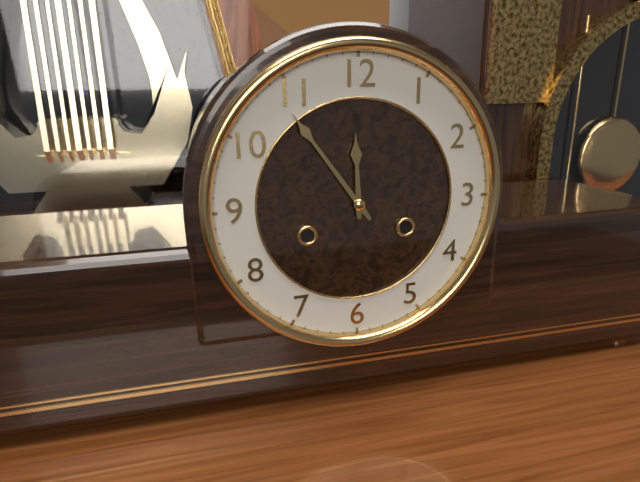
{"hour": 11, "minute": 54}
